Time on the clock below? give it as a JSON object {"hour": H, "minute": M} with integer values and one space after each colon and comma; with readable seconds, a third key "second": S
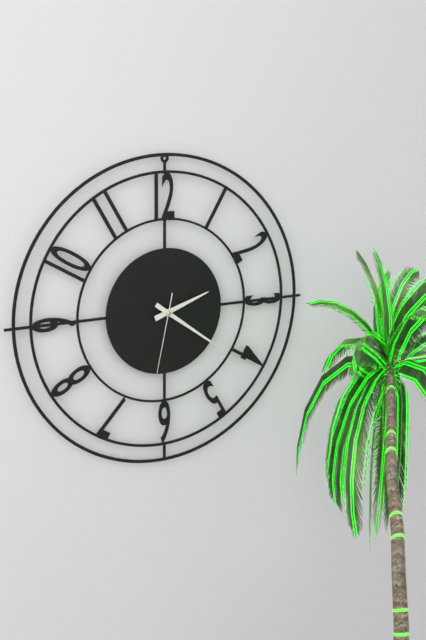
{"hour": 2, "minute": 21, "second": 32}
